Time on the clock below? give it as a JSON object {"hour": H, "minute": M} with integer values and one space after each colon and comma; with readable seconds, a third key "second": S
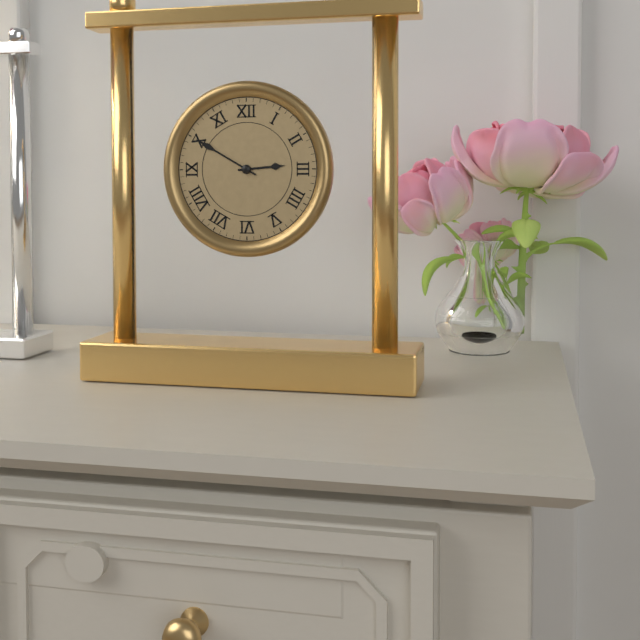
{"hour": 2, "minute": 50}
